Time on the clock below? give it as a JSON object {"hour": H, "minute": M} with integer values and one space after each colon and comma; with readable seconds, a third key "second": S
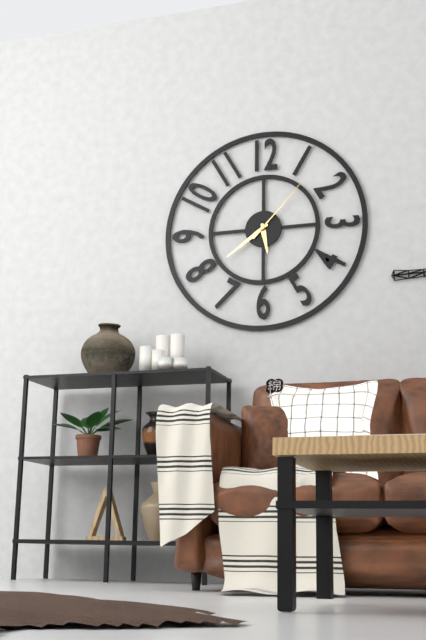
{"hour": 5, "minute": 39, "second": 7}
